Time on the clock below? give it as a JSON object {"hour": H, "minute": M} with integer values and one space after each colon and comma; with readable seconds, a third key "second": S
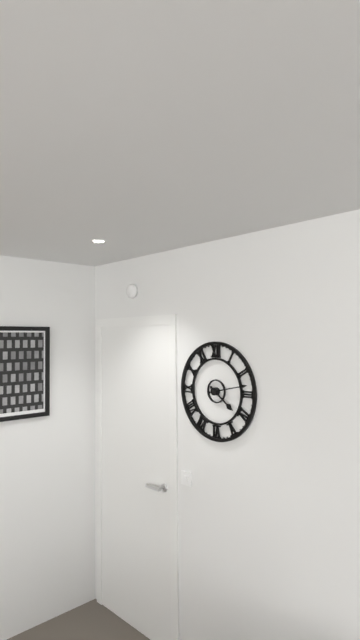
{"hour": 4, "minute": 13}
